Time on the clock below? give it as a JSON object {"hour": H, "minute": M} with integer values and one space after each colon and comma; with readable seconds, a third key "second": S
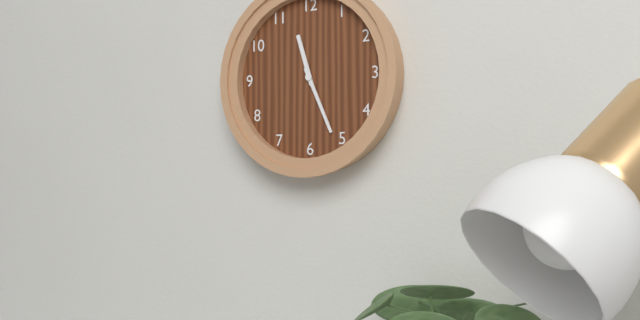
{"hour": 11, "minute": 26}
